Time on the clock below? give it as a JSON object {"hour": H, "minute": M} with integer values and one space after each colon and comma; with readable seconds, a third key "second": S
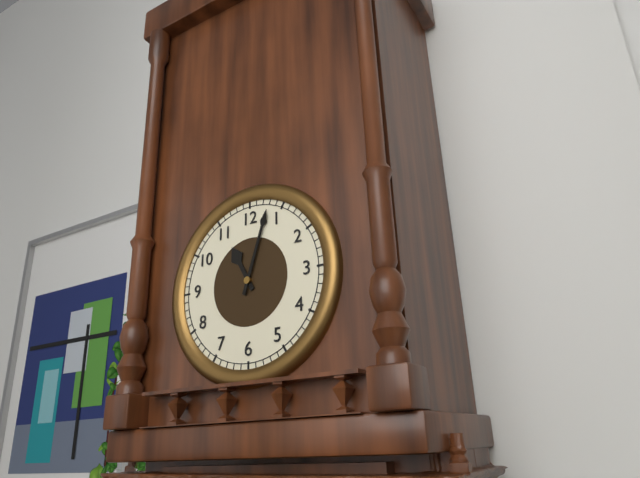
{"hour": 11, "minute": 3}
